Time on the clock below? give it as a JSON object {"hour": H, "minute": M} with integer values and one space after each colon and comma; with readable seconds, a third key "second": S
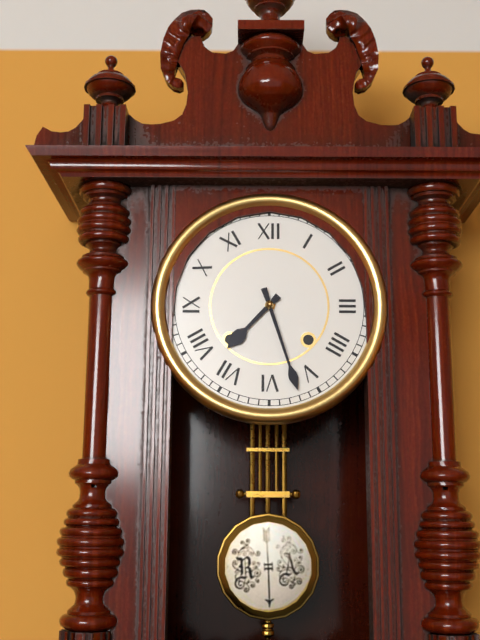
{"hour": 7, "minute": 27}
